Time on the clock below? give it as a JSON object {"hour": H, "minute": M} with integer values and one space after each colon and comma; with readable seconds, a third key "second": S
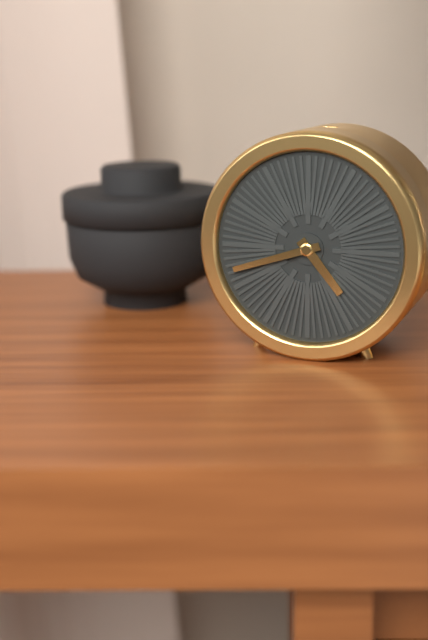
{"hour": 4, "minute": 42}
